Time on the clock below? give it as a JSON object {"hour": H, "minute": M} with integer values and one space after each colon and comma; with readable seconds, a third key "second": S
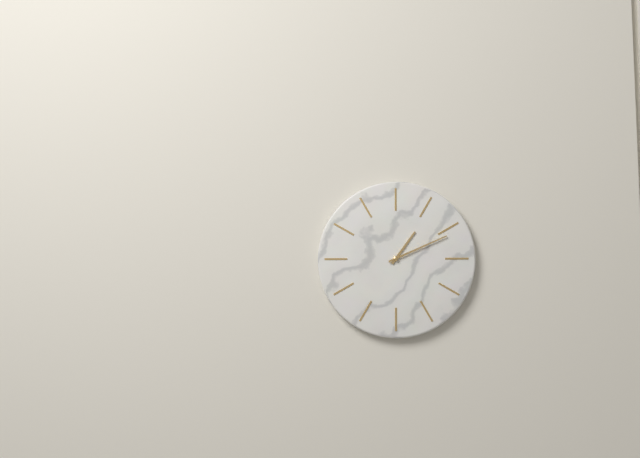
{"hour": 1, "minute": 11}
